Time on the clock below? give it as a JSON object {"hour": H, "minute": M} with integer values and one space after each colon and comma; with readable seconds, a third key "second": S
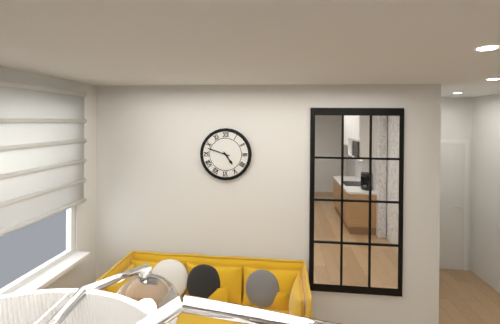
{"hour": 4, "minute": 48}
